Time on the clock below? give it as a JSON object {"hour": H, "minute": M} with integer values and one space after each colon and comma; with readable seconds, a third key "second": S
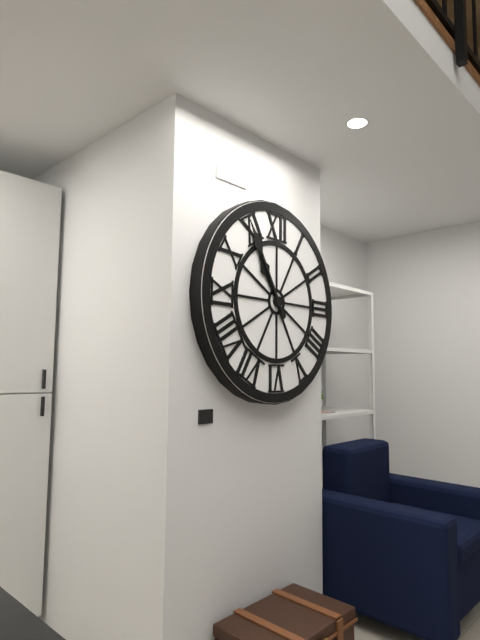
{"hour": 10, "minute": 55}
